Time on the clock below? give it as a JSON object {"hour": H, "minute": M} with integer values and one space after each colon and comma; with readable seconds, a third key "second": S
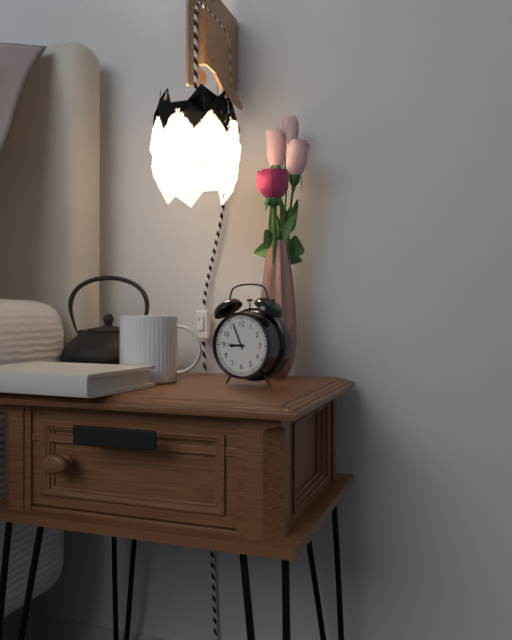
{"hour": 8, "minute": 56}
